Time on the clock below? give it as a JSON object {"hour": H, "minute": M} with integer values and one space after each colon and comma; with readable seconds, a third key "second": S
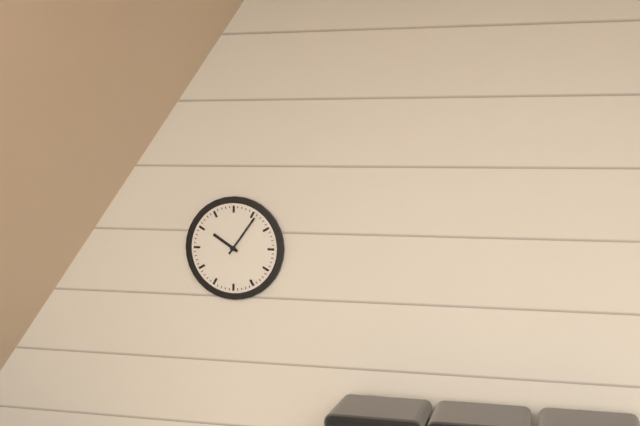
{"hour": 10, "minute": 6}
